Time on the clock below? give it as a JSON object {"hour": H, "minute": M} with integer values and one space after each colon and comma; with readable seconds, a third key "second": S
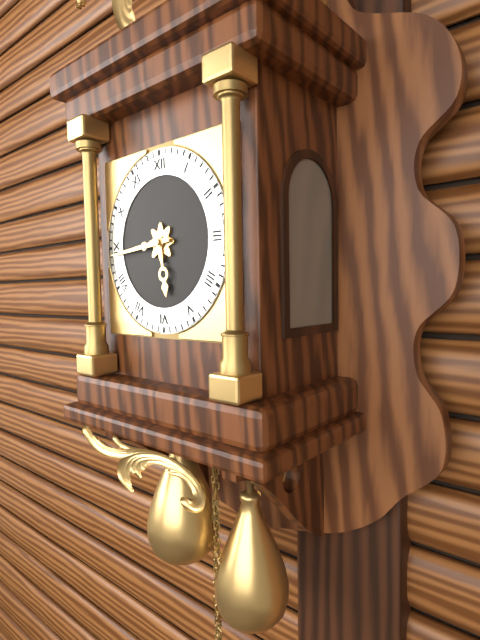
{"hour": 5, "minute": 44}
